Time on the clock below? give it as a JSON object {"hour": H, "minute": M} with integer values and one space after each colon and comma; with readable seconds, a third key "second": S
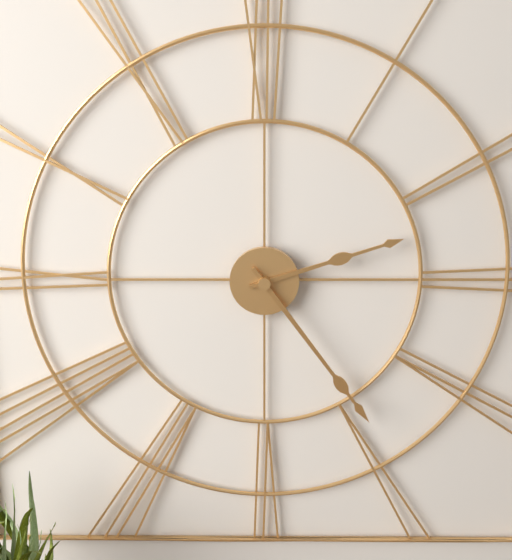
{"hour": 2, "minute": 24}
